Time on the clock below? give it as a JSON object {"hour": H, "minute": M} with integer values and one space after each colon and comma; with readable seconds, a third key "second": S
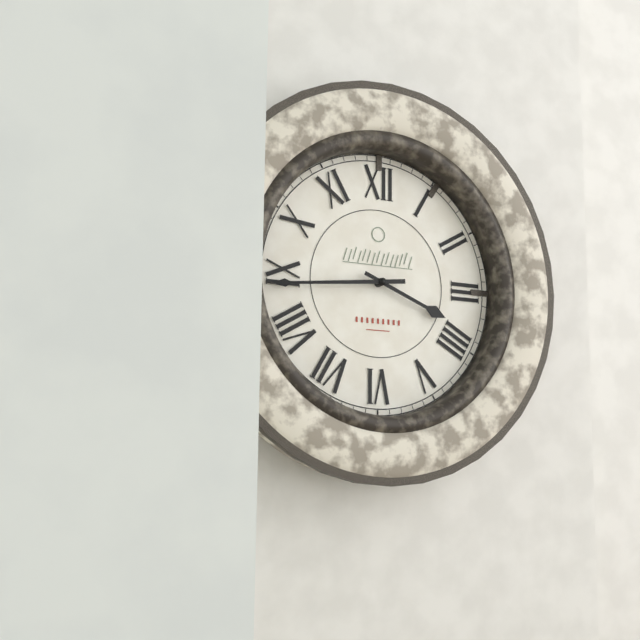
{"hour": 3, "minute": 44}
